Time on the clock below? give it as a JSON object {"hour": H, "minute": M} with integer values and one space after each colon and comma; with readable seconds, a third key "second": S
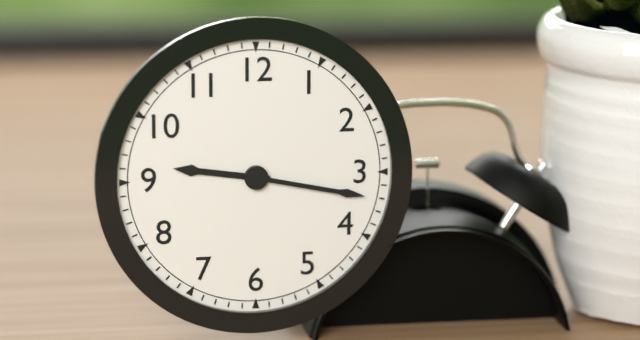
{"hour": 9, "minute": 17}
